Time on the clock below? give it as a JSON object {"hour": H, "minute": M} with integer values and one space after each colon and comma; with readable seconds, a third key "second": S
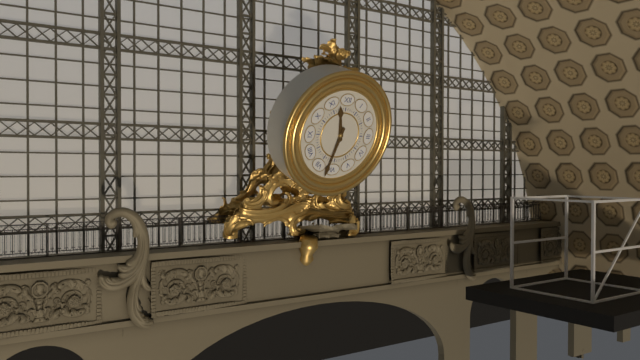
{"hour": 11, "minute": 32}
